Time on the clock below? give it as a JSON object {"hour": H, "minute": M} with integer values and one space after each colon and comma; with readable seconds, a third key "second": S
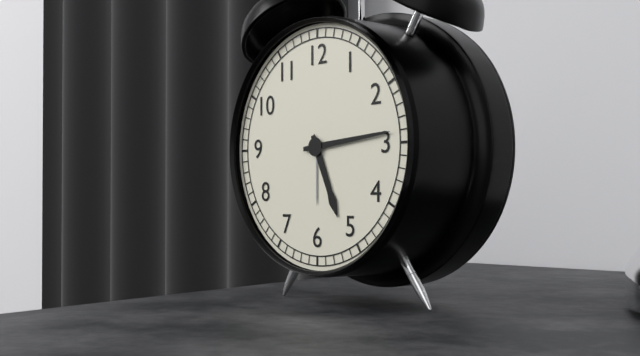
{"hour": 5, "minute": 14}
